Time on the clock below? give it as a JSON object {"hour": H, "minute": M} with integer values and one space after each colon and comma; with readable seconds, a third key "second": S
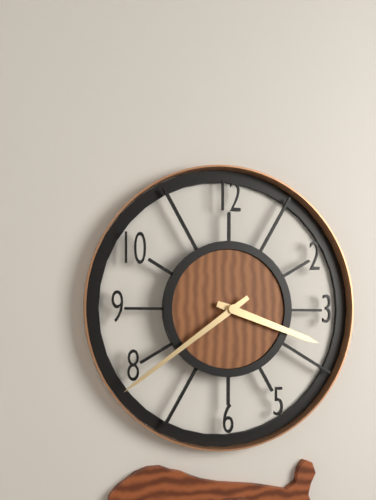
{"hour": 3, "minute": 39}
